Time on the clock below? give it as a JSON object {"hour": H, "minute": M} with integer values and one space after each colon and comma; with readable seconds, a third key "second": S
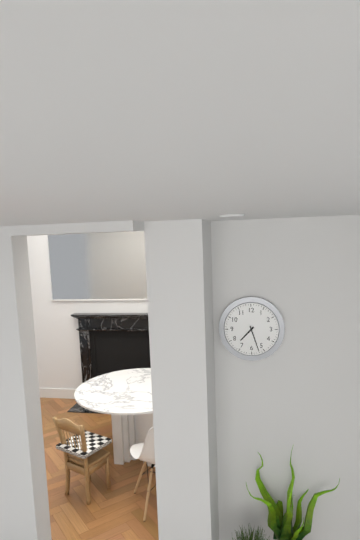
{"hour": 7, "minute": 27}
